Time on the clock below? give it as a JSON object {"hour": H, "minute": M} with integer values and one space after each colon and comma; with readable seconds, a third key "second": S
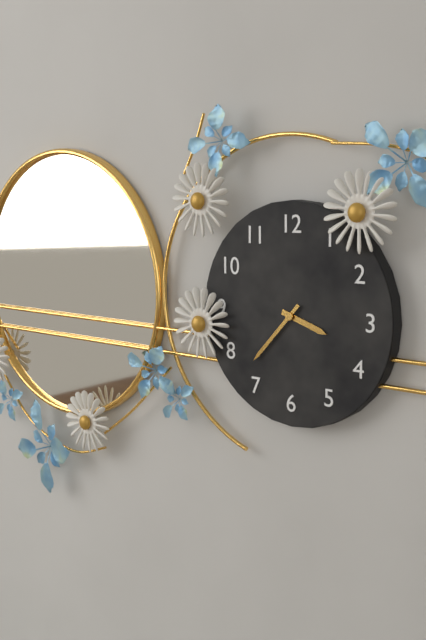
{"hour": 3, "minute": 37}
